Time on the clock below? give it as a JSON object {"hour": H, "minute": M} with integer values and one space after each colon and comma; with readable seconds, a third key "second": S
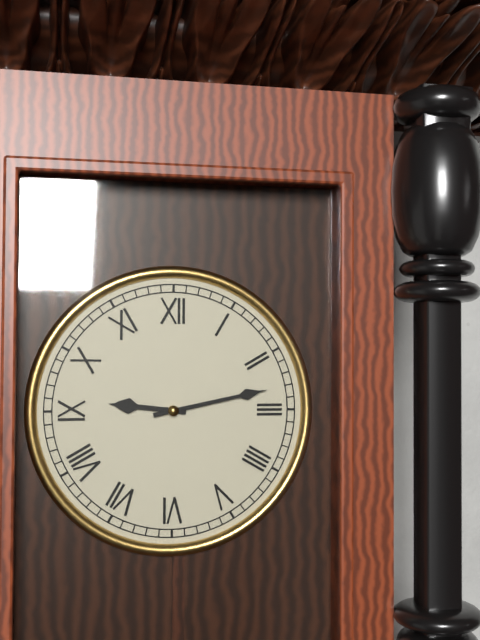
{"hour": 9, "minute": 13}
